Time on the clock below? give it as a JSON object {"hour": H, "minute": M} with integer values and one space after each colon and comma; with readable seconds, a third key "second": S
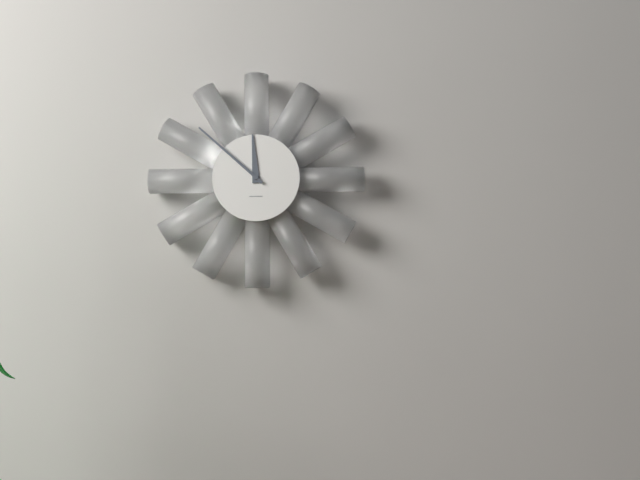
{"hour": 11, "minute": 52}
